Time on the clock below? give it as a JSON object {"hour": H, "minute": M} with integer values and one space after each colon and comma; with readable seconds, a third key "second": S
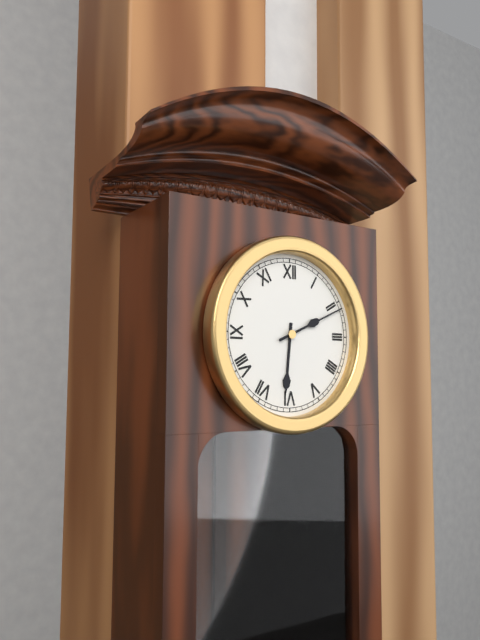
{"hour": 6, "minute": 11}
